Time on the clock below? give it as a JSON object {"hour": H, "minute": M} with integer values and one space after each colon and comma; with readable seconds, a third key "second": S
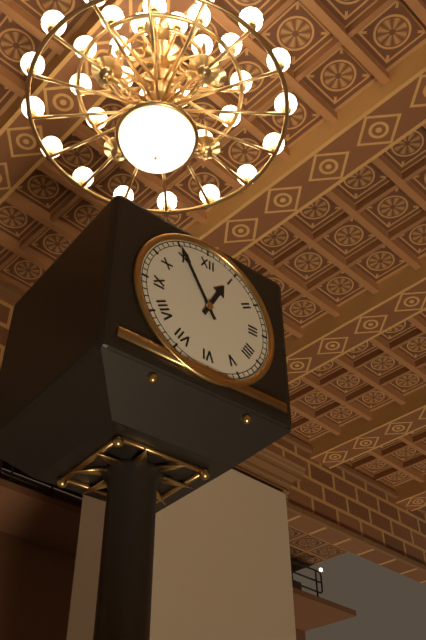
{"hour": 12, "minute": 55}
